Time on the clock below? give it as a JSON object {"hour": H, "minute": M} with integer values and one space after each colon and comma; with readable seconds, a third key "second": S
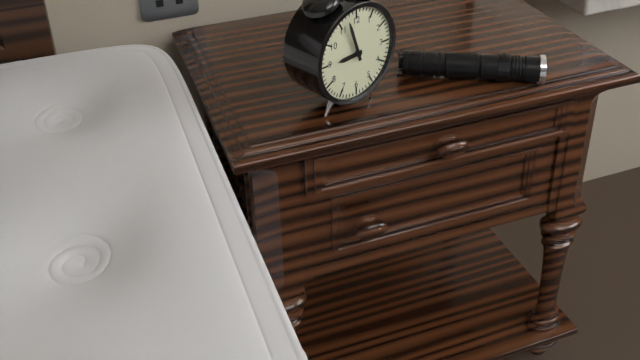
{"hour": 8, "minute": 57}
